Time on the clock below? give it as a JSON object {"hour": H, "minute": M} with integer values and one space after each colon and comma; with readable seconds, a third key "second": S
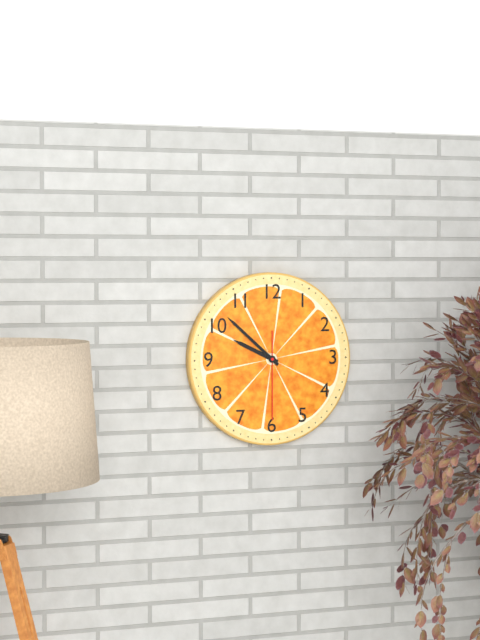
{"hour": 9, "minute": 52, "second": 30}
